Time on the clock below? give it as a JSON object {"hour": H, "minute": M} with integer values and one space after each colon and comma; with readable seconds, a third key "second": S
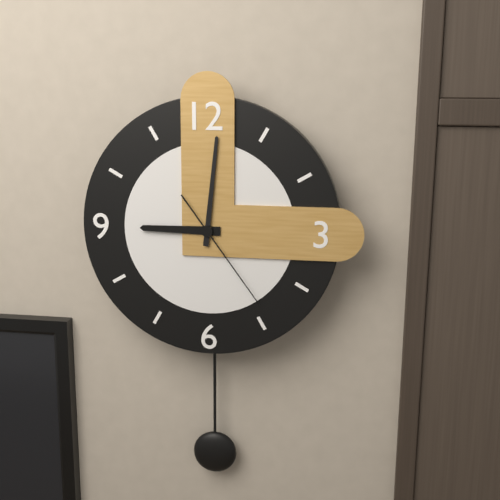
{"hour": 9, "minute": 1, "second": 24}
